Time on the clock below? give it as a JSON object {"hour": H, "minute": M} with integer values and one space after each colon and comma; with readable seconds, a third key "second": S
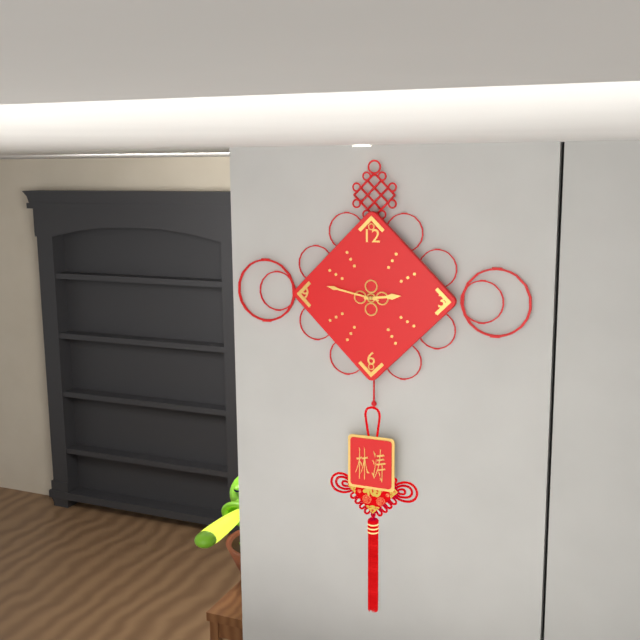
{"hour": 2, "minute": 47}
